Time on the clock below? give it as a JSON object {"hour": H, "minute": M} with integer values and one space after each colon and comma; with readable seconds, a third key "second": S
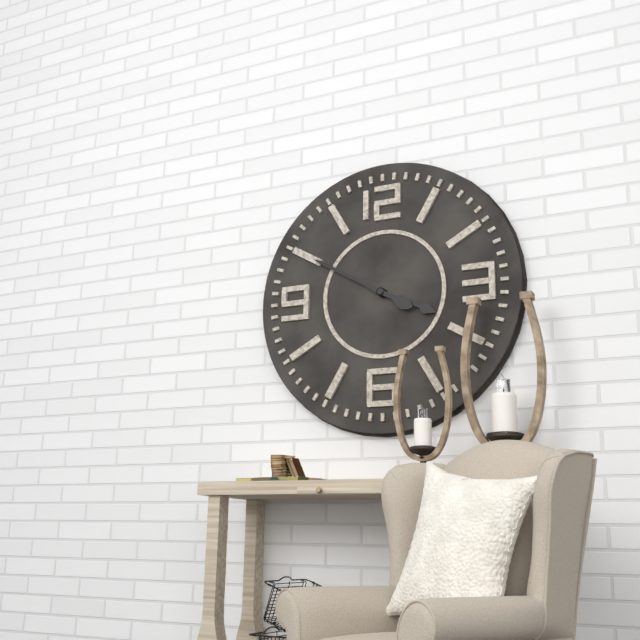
{"hour": 3, "minute": 50}
